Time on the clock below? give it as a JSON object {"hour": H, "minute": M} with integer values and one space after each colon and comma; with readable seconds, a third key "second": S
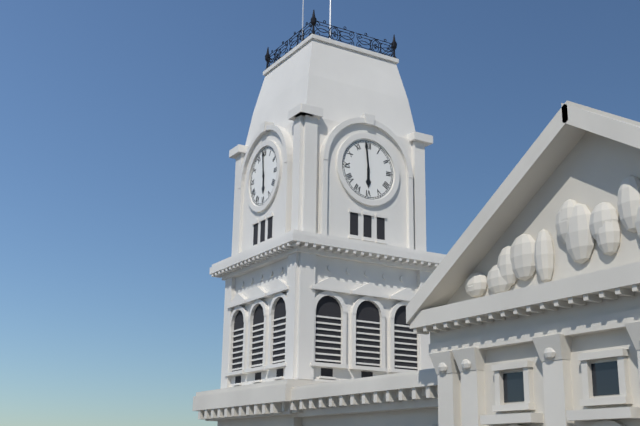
{"hour": 5, "minute": 59}
